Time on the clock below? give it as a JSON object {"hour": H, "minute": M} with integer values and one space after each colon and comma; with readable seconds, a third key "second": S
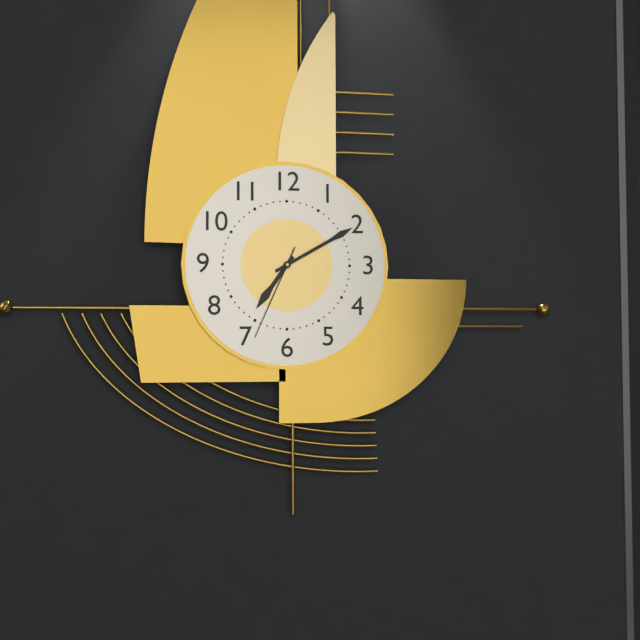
{"hour": 7, "minute": 10, "second": 34}
